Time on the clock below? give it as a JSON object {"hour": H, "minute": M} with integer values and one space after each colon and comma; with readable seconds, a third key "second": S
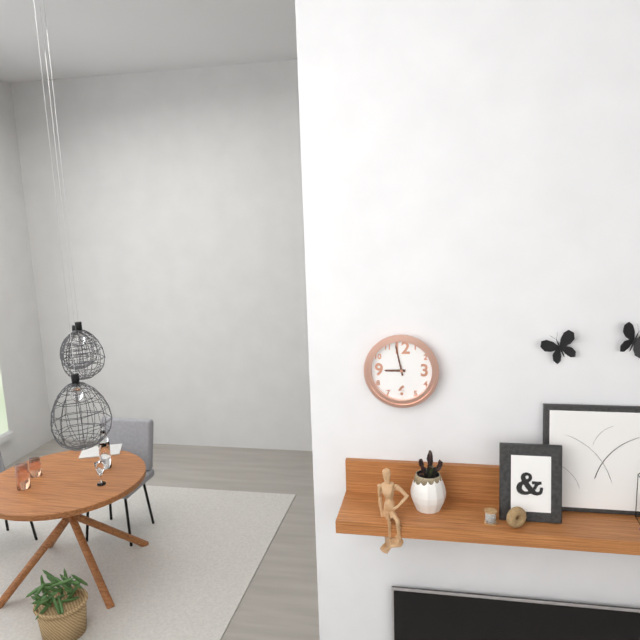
{"hour": 8, "minute": 58}
